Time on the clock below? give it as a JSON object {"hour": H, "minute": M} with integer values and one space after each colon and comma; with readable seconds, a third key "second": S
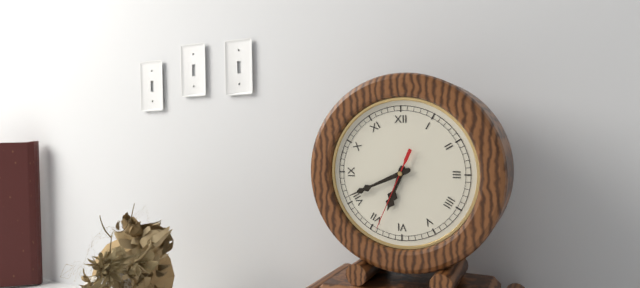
{"hour": 6, "minute": 41, "second": 34}
